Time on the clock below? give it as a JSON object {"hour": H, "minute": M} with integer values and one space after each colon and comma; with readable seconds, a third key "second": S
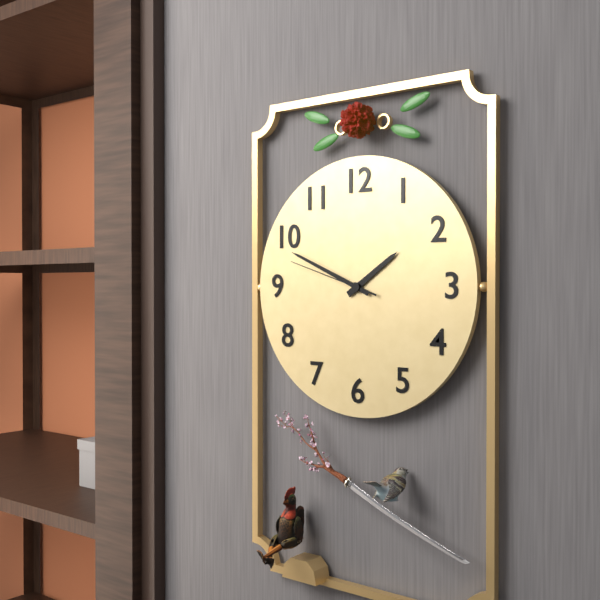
{"hour": 1, "minute": 49, "second": 48}
